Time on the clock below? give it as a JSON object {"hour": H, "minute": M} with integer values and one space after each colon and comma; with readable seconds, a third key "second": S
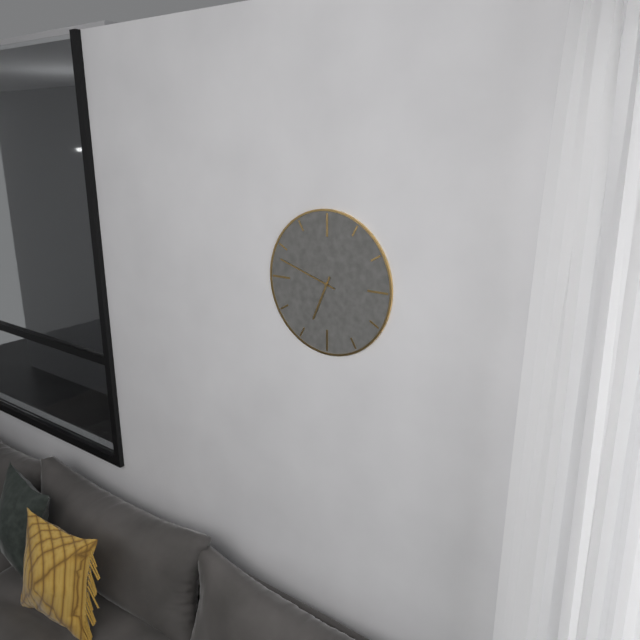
{"hour": 6, "minute": 48}
